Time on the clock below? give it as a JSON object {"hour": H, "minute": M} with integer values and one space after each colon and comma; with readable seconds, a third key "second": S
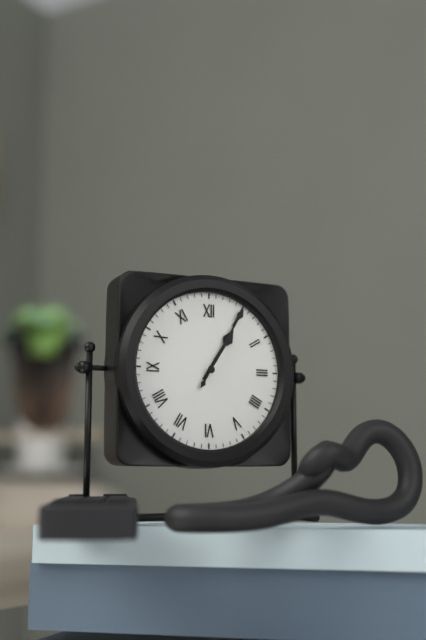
{"hour": 1, "minute": 5}
